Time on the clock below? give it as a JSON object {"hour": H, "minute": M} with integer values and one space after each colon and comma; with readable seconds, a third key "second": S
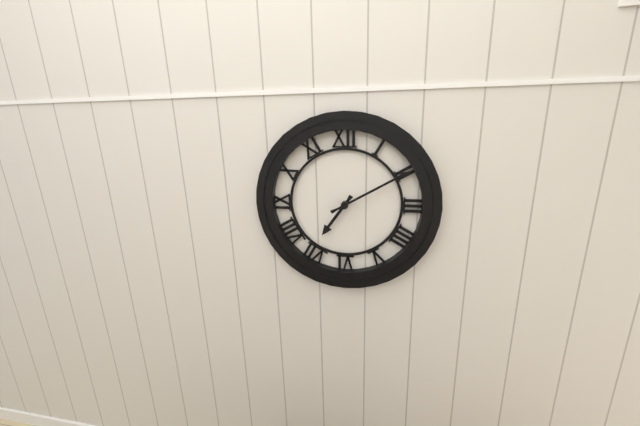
{"hour": 7, "minute": 10}
